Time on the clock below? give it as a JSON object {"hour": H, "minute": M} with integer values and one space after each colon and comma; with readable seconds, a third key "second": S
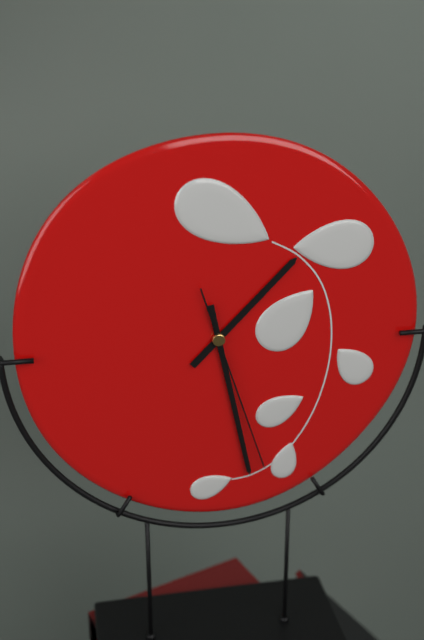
{"hour": 1, "minute": 28, "second": 27}
